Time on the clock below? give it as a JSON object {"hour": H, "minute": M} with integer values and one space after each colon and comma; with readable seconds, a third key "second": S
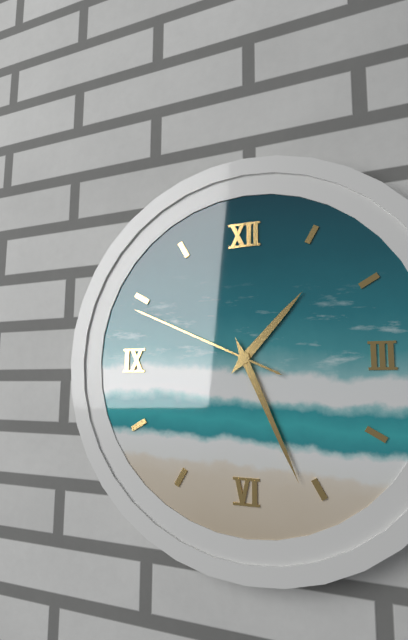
{"hour": 1, "minute": 26, "second": 49}
